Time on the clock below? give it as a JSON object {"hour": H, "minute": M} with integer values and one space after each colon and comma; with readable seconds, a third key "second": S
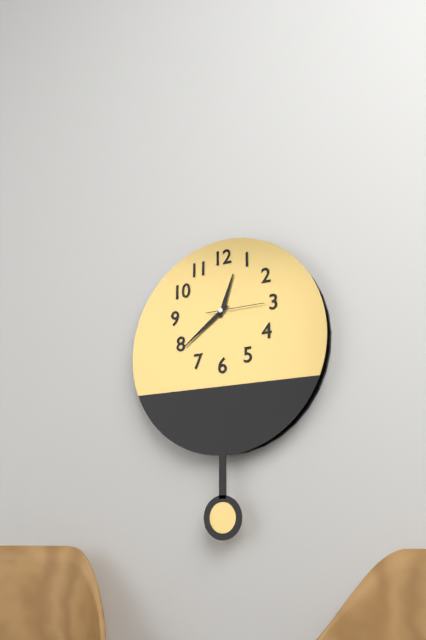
{"hour": 12, "minute": 39, "second": 15}
